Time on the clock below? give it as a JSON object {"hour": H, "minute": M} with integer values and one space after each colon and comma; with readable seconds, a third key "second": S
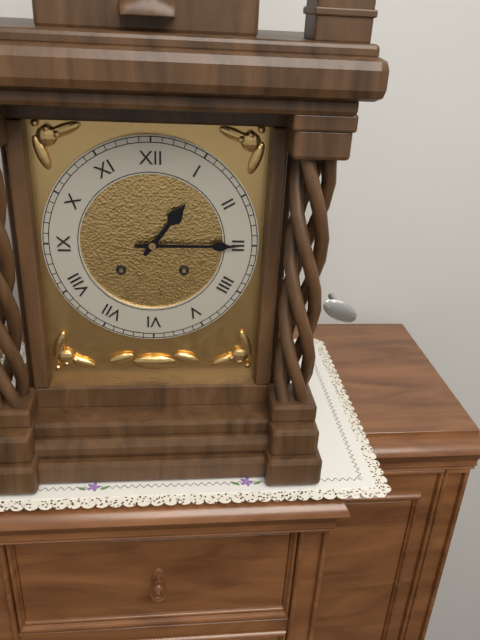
{"hour": 1, "minute": 15}
